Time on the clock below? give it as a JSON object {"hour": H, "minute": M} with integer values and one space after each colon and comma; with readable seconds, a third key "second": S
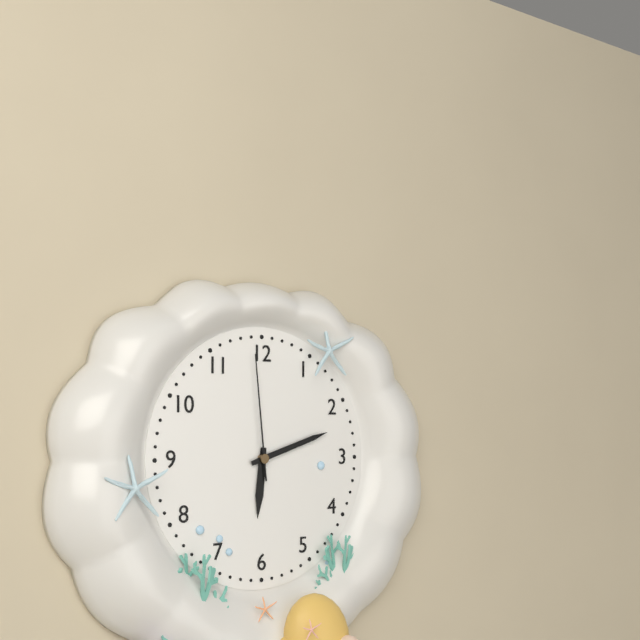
{"hour": 6, "minute": 12, "second": 59}
